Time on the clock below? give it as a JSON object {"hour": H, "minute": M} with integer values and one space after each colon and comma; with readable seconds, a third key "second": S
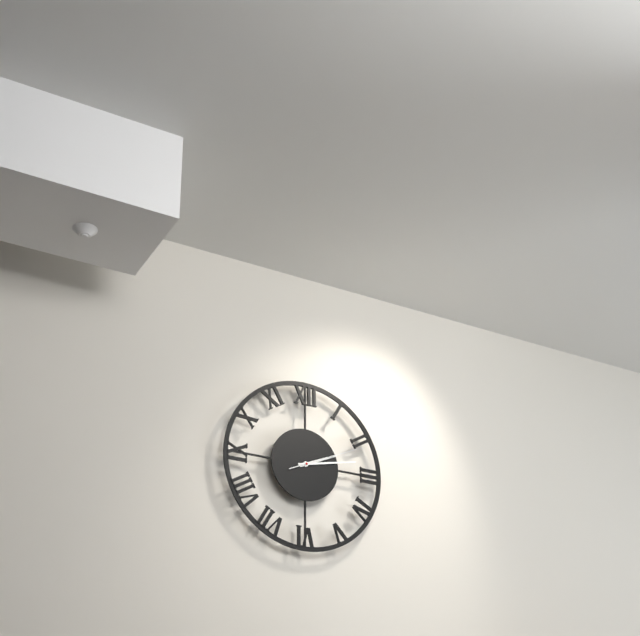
{"hour": 2, "minute": 13, "second": 11}
